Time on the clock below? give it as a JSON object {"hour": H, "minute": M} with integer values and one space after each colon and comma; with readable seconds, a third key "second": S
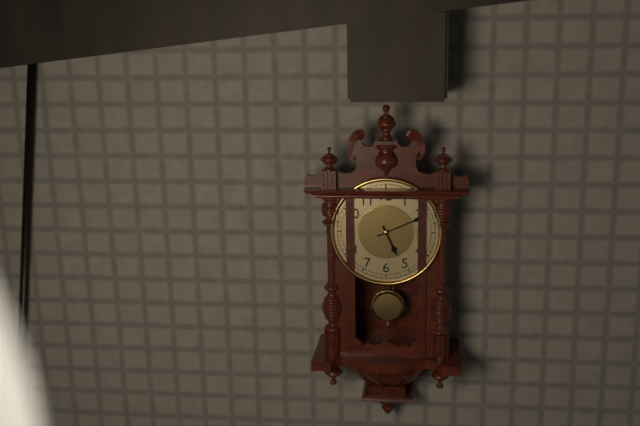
{"hour": 5, "minute": 11}
